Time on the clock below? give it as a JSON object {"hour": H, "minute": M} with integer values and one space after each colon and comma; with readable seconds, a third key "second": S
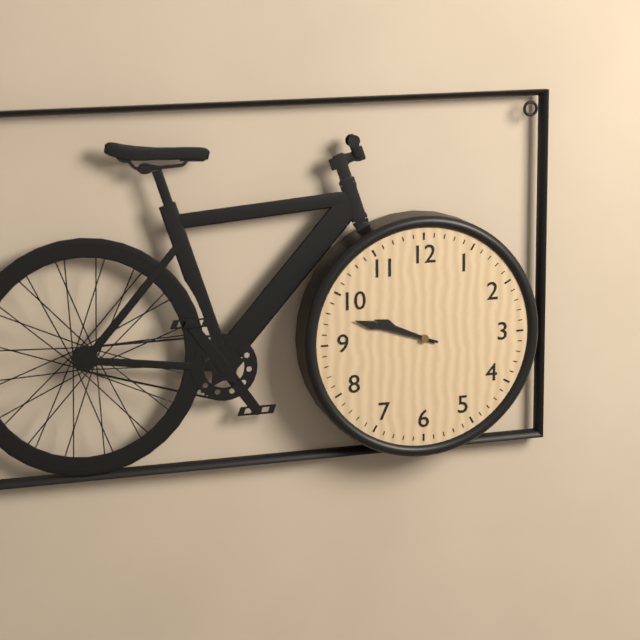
{"hour": 9, "minute": 48}
